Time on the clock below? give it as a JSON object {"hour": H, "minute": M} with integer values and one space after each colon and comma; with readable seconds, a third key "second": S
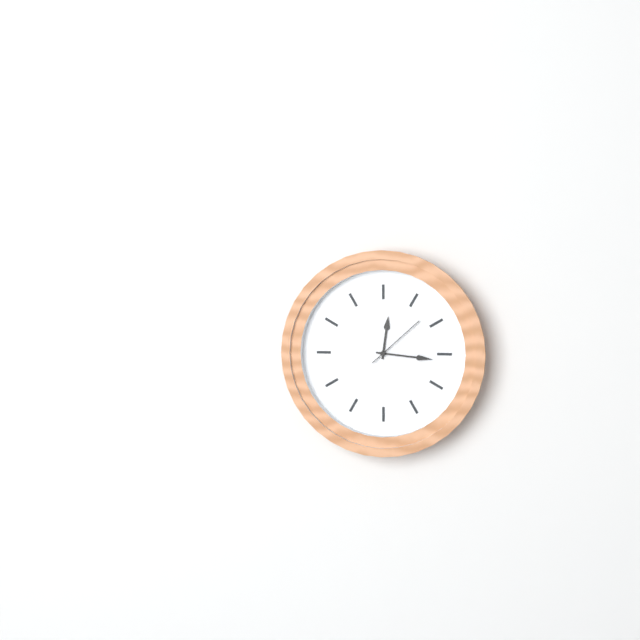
{"hour": 12, "minute": 16, "second": 8}
